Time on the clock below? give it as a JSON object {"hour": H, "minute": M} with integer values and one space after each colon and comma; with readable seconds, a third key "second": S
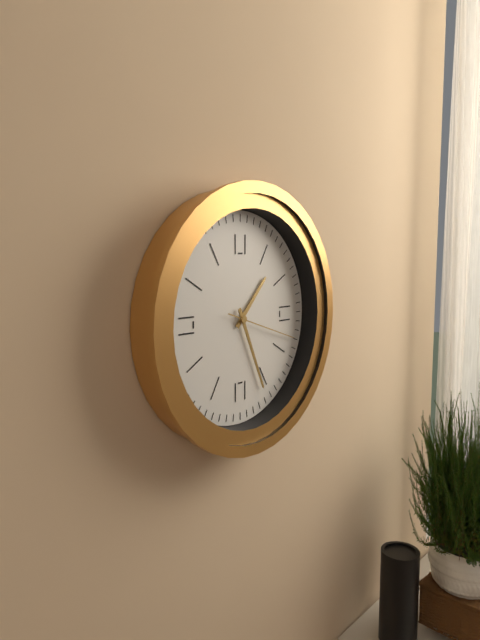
{"hour": 1, "minute": 26, "second": 18}
